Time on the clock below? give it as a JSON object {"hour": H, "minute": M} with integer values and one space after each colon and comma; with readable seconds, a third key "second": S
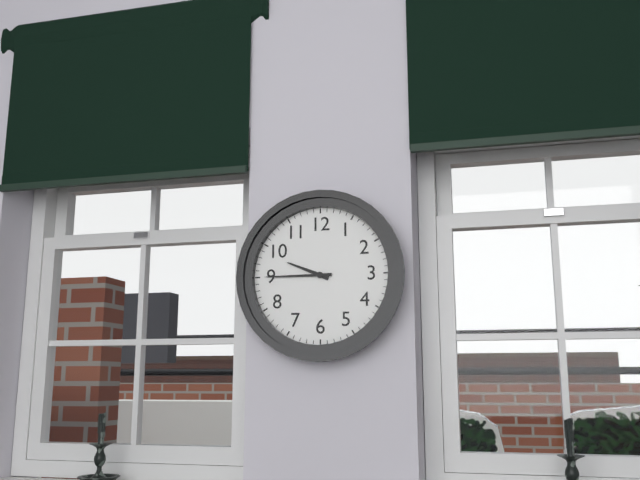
{"hour": 9, "minute": 45}
